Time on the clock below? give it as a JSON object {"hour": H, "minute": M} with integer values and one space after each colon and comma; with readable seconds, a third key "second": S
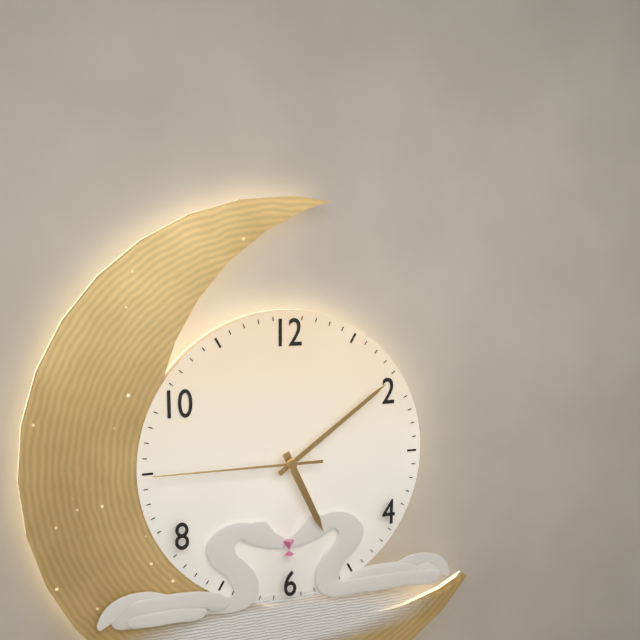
{"hour": 5, "minute": 9, "second": 45}
